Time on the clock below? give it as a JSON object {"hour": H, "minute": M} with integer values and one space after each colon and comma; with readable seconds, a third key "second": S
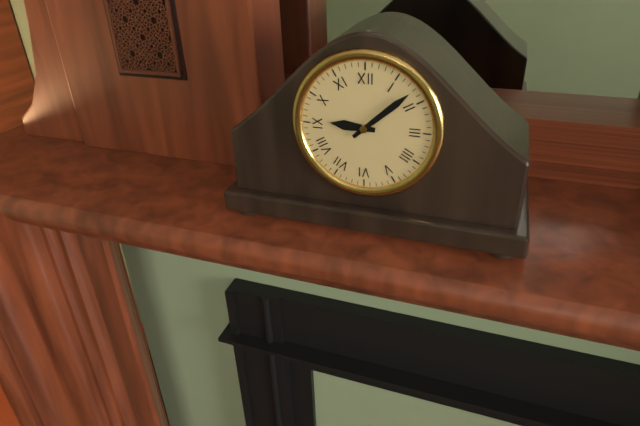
{"hour": 9, "minute": 8}
